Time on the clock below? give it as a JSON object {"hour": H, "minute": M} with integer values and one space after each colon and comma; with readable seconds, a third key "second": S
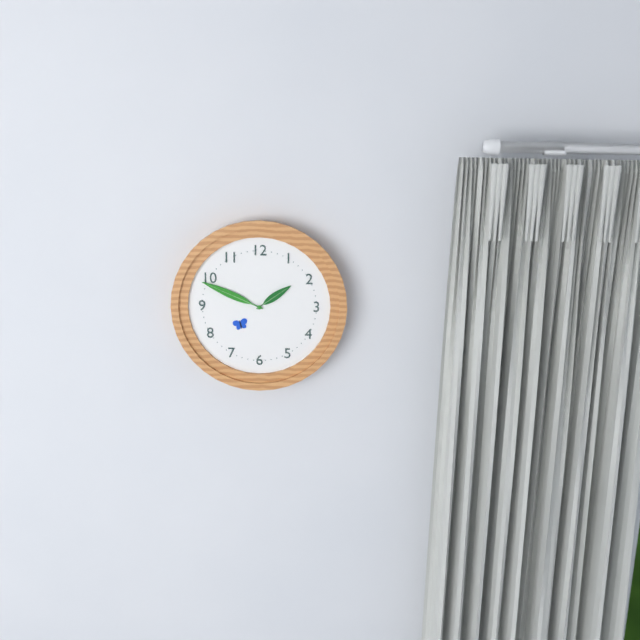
{"hour": 1, "minute": 49}
